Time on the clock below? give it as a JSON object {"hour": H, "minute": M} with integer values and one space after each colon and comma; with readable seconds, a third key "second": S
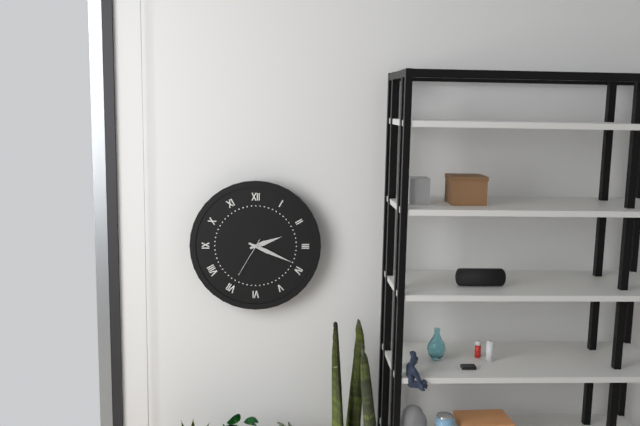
{"hour": 2, "minute": 19}
